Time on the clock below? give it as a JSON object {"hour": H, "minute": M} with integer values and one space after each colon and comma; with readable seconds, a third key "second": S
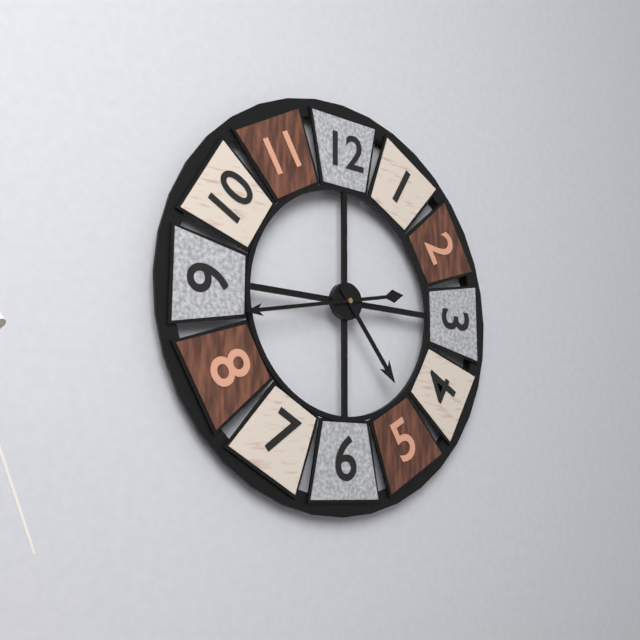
{"hour": 4, "minute": 43}
